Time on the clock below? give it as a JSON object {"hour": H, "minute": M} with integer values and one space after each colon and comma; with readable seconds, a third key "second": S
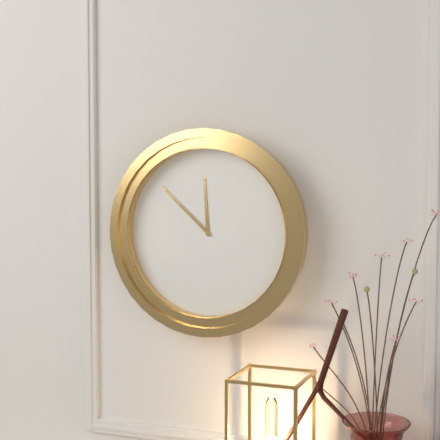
{"hour": 11, "minute": 52}
